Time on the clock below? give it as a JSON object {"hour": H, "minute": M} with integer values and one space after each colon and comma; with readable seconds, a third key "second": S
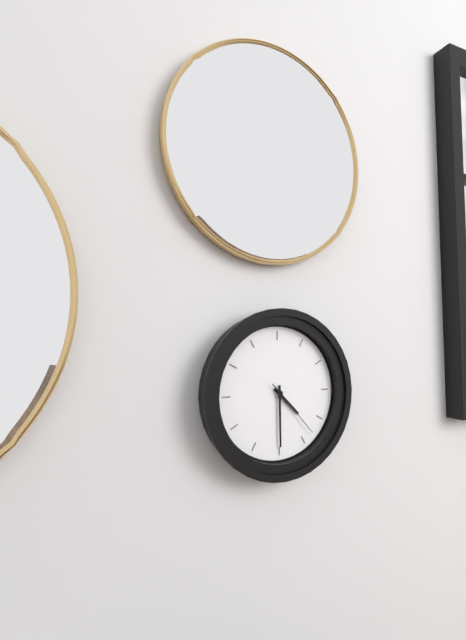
{"hour": 4, "minute": 30, "second": 23}
